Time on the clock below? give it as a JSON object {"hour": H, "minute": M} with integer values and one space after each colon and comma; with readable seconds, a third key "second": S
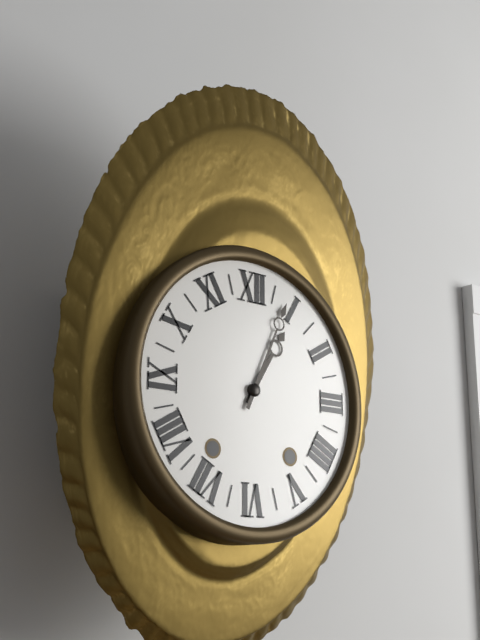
{"hour": 1, "minute": 4}
